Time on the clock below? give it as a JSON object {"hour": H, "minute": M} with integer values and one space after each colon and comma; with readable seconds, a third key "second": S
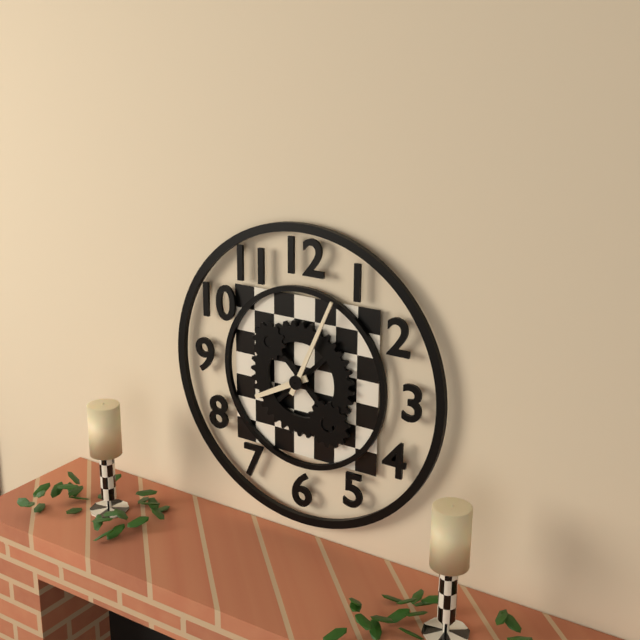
{"hour": 8, "minute": 4}
